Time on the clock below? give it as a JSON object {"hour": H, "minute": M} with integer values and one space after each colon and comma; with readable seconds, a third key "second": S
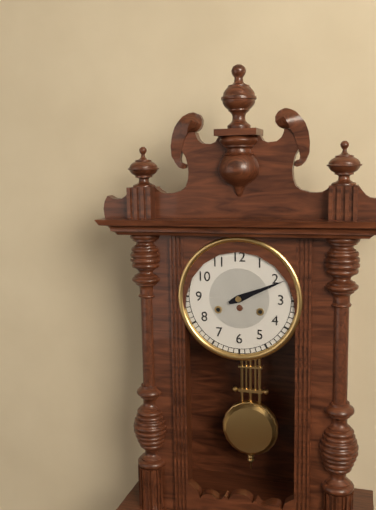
{"hour": 2, "minute": 11}
